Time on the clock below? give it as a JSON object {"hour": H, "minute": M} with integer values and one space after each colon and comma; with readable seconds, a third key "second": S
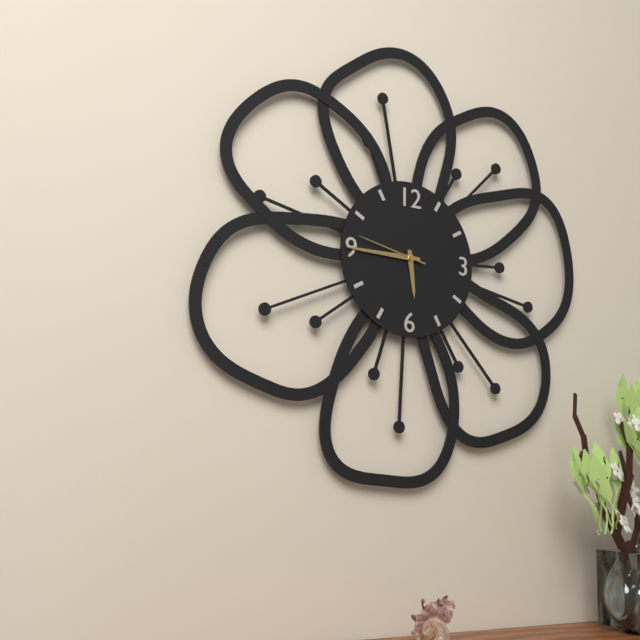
{"hour": 5, "minute": 45, "second": 47}
